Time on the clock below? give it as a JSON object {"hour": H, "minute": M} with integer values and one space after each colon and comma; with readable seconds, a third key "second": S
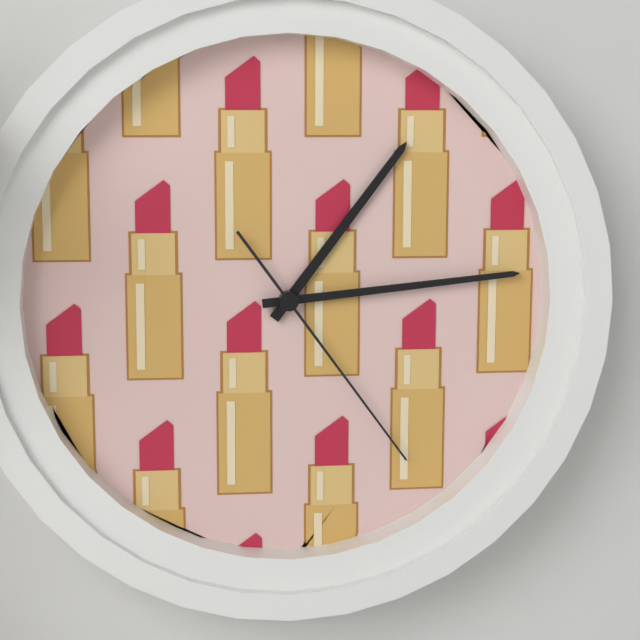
{"hour": 1, "minute": 14, "second": 24}
